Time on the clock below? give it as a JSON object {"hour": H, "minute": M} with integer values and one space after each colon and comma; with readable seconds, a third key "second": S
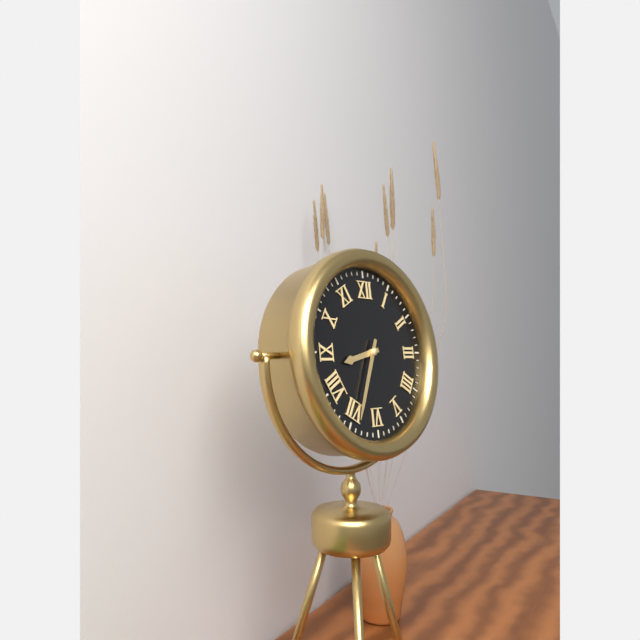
{"hour": 8, "minute": 34}
